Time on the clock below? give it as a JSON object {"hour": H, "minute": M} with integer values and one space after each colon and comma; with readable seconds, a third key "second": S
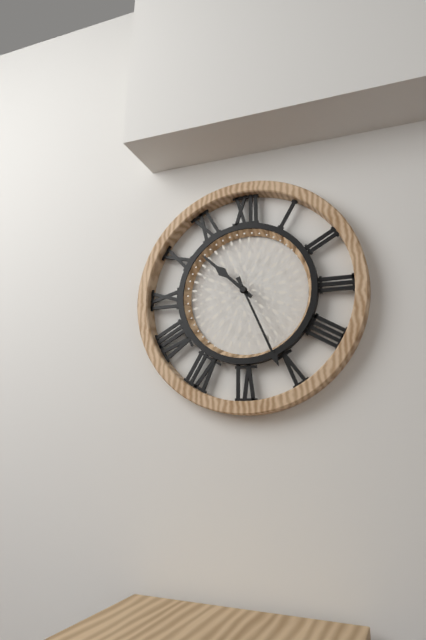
{"hour": 10, "minute": 26}
